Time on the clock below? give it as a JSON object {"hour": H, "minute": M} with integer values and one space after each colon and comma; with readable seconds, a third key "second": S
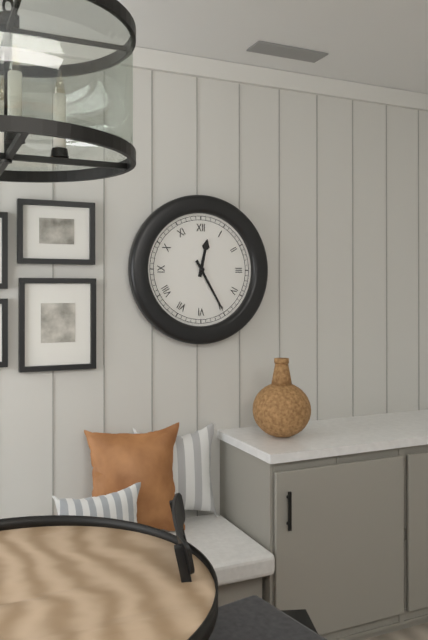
{"hour": 12, "minute": 25}
